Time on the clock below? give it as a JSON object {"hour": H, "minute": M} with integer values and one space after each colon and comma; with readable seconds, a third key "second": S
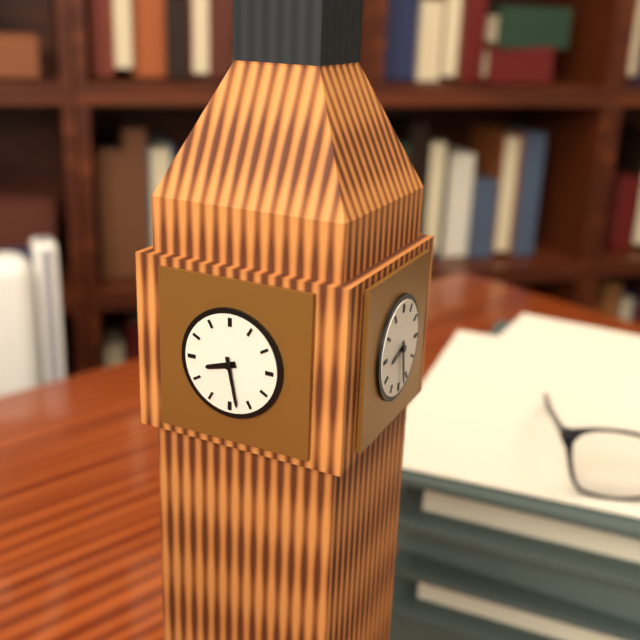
{"hour": 8, "minute": 28}
